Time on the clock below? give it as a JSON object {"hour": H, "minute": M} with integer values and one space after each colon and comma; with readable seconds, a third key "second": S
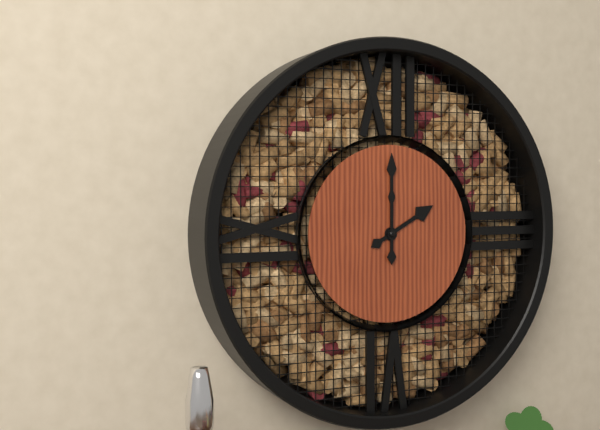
{"hour": 2, "minute": 0}
